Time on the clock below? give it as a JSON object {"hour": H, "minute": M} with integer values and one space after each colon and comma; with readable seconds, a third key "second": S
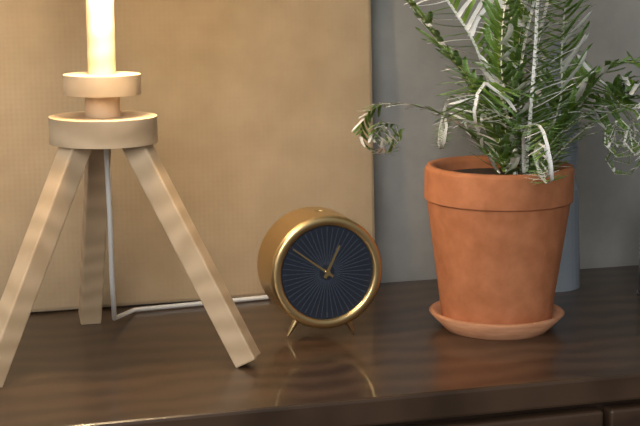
{"hour": 12, "minute": 51}
